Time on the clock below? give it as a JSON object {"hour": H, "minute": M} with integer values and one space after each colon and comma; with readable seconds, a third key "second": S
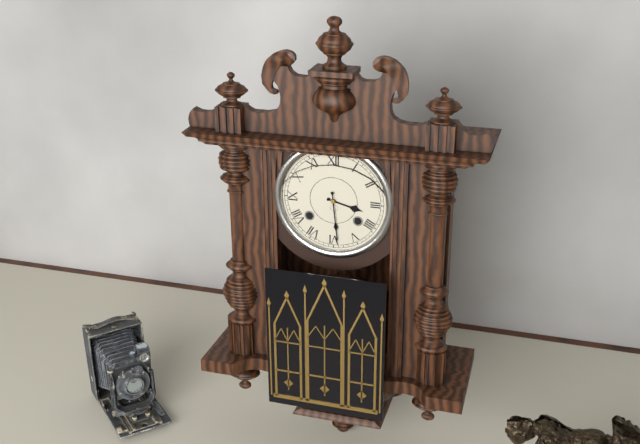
{"hour": 3, "minute": 29}
